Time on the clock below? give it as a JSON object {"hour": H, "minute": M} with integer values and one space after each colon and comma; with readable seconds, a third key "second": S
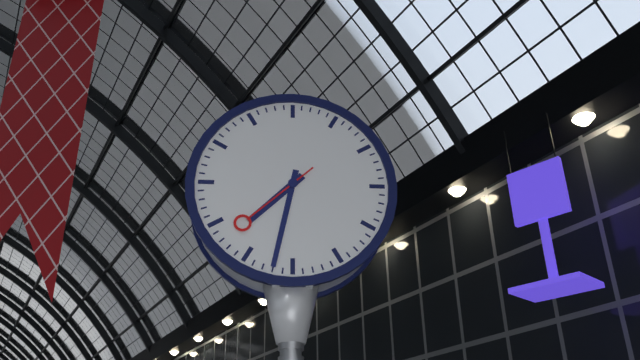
{"hour": 7, "minute": 32, "second": 38}
